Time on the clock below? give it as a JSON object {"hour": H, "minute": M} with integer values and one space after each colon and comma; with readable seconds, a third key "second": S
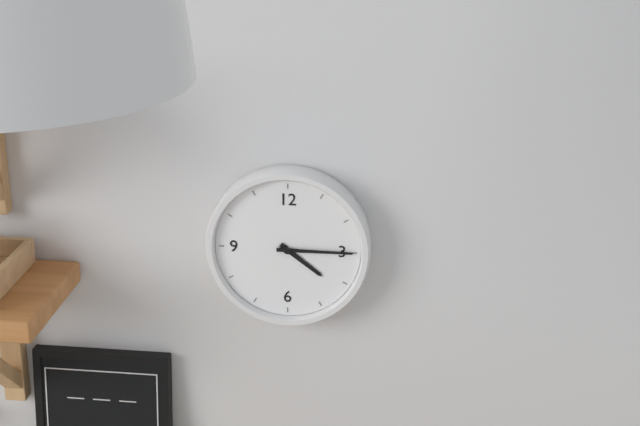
{"hour": 4, "minute": 15}
